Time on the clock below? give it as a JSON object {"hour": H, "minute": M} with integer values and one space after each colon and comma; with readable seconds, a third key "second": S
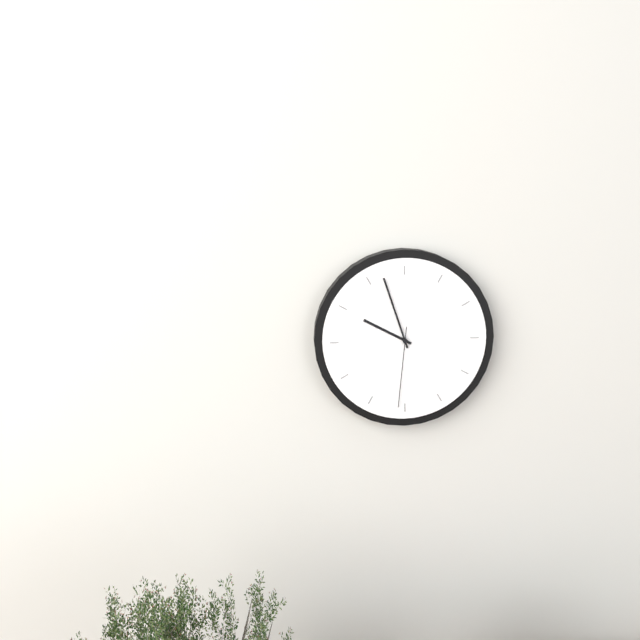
{"hour": 9, "minute": 57, "second": 31}
